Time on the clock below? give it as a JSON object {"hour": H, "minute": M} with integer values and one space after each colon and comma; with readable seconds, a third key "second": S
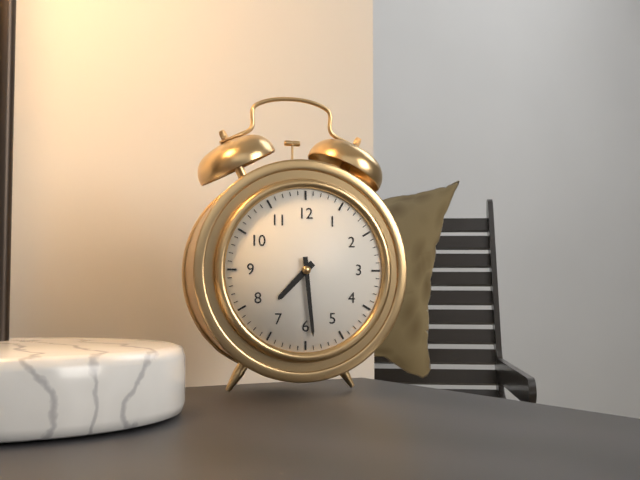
{"hour": 7, "minute": 29}
